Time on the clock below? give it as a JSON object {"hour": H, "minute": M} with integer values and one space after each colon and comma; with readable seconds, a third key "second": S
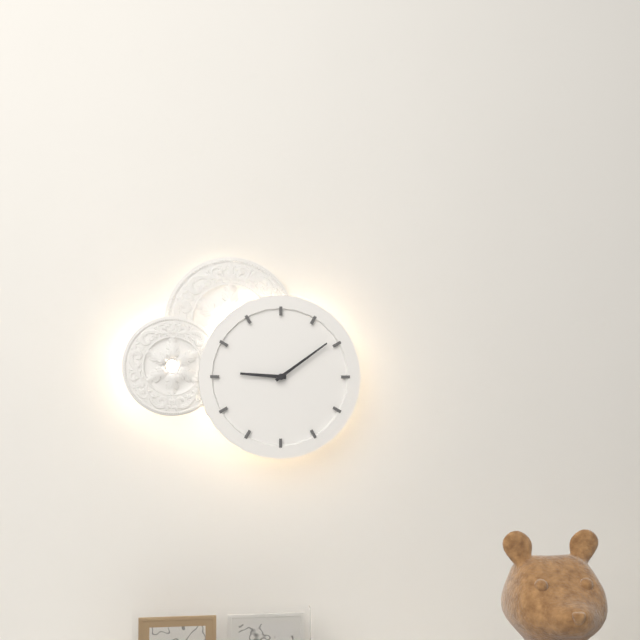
{"hour": 9, "minute": 9}
